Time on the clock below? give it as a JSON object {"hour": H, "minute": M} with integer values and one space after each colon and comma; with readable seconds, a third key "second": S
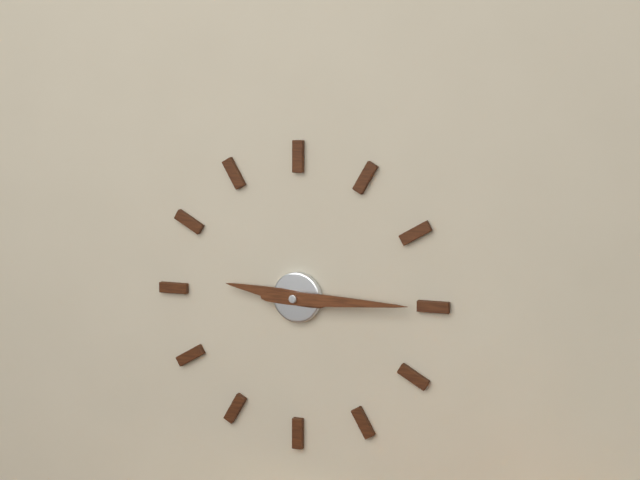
{"hour": 9, "minute": 15}
